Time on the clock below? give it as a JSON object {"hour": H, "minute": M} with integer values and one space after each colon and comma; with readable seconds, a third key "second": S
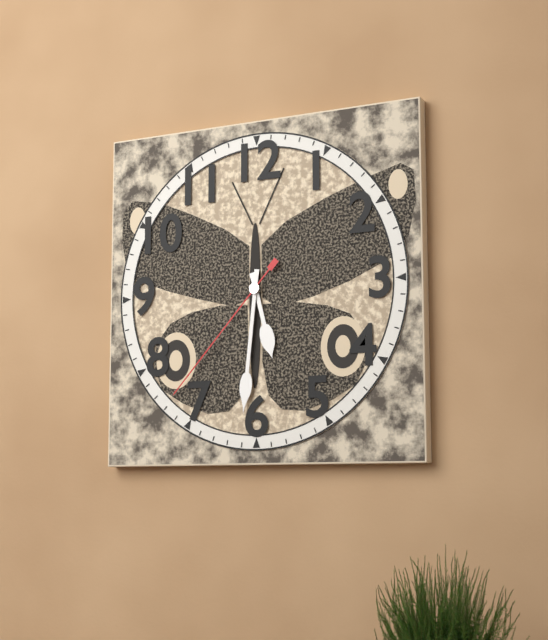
{"hour": 5, "minute": 31, "second": 37}
